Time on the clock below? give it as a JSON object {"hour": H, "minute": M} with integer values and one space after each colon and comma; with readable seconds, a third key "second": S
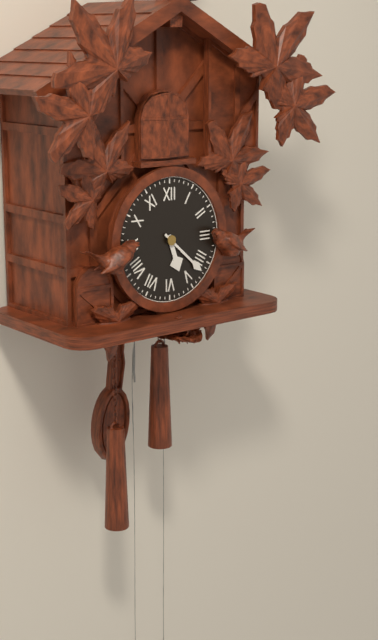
{"hour": 5, "minute": 22}
